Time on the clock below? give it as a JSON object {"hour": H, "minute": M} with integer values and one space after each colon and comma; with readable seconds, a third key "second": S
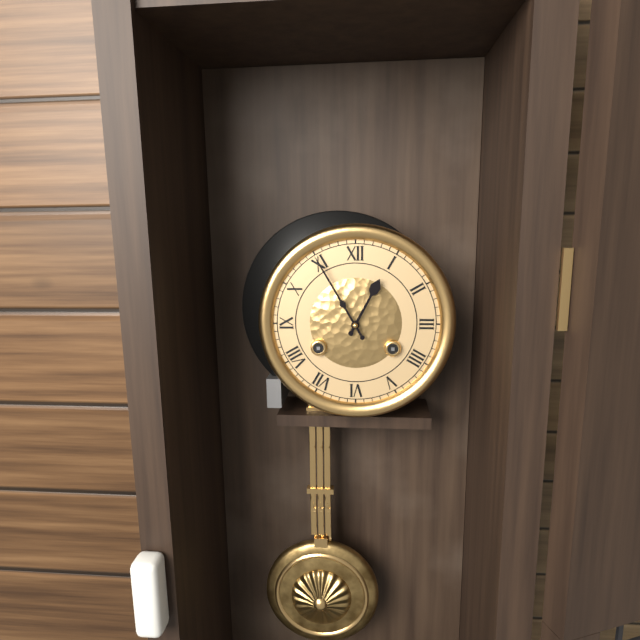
{"hour": 12, "minute": 55}
